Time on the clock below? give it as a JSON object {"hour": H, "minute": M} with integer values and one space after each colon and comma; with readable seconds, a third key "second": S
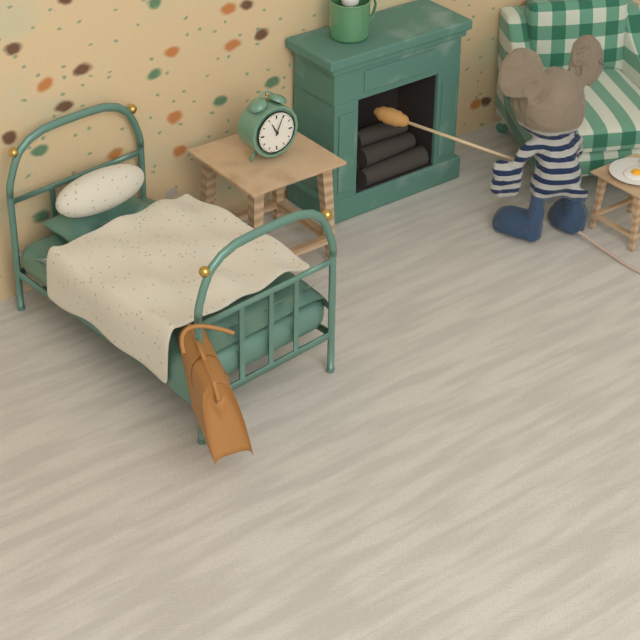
{"hour": 11, "minute": 4}
